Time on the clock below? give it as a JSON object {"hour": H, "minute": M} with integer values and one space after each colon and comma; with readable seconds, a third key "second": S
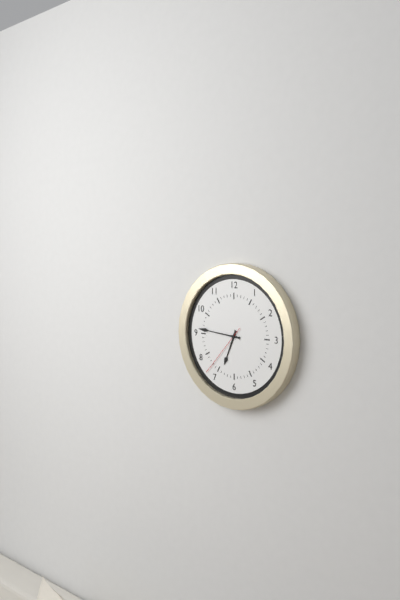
{"hour": 6, "minute": 46, "second": 37}
